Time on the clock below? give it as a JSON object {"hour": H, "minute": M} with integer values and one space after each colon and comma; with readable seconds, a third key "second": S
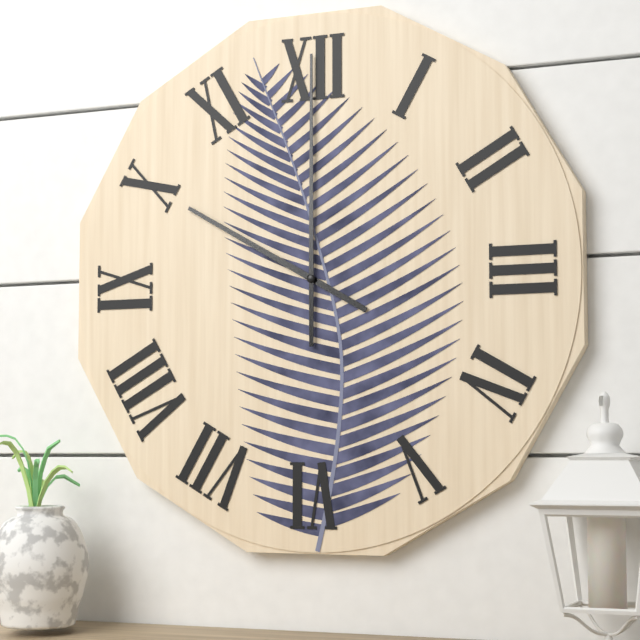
{"hour": 10, "minute": 0}
